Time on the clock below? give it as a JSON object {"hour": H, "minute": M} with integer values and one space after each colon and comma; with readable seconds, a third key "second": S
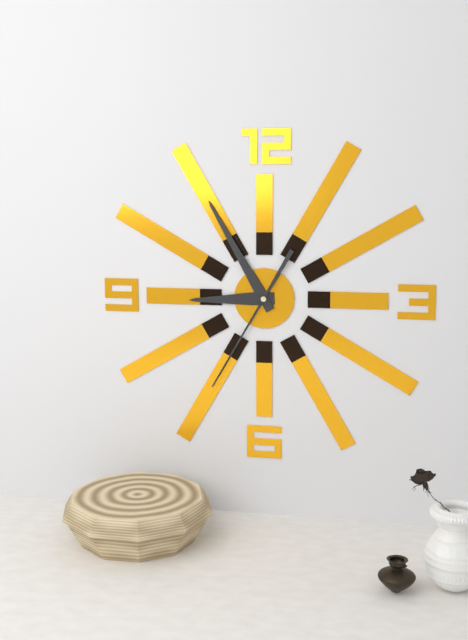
{"hour": 8, "minute": 55, "second": 35}
